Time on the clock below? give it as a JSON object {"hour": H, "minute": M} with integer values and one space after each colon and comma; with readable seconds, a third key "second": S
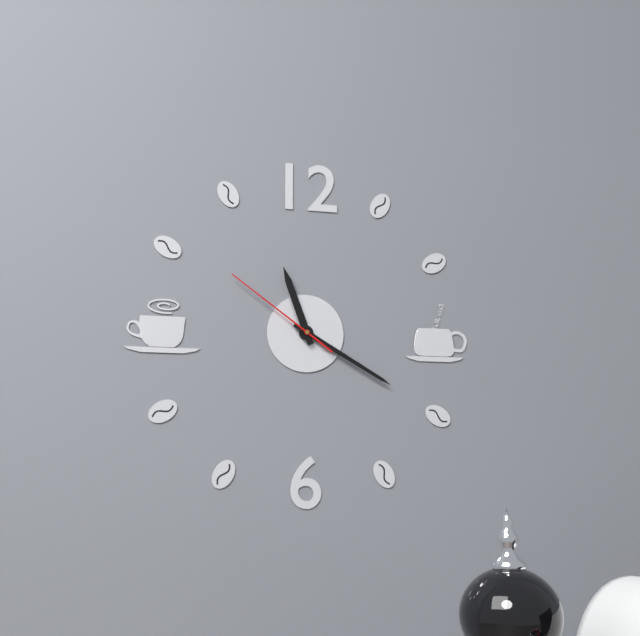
{"hour": 11, "minute": 20, "second": 51}
